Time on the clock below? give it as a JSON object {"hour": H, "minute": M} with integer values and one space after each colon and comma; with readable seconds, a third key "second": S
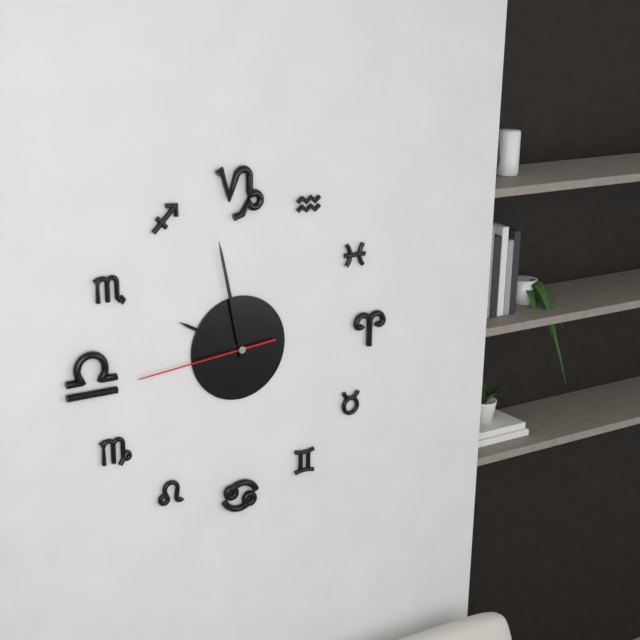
{"hour": 9, "minute": 58, "second": 44}
